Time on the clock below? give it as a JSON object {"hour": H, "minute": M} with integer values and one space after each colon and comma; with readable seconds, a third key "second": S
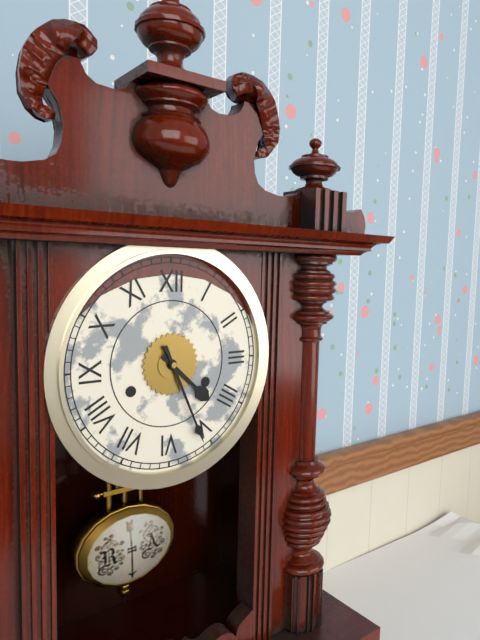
{"hour": 4, "minute": 26}
